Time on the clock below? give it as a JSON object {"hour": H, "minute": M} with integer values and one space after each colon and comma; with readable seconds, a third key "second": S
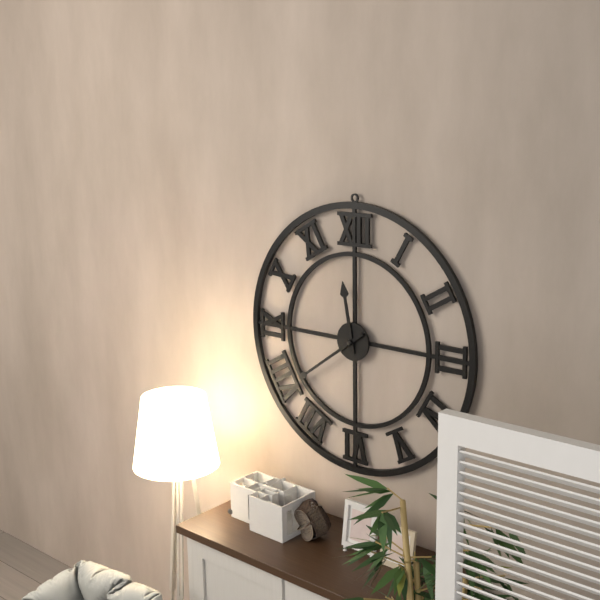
{"hour": 11, "minute": 39}
